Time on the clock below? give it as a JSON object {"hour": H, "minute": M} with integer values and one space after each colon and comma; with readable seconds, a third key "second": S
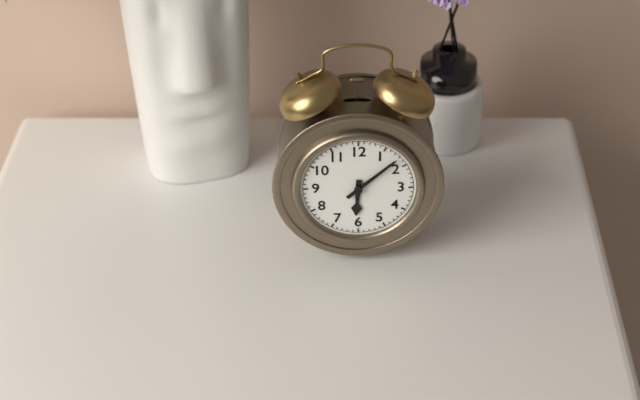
{"hour": 6, "minute": 8}
